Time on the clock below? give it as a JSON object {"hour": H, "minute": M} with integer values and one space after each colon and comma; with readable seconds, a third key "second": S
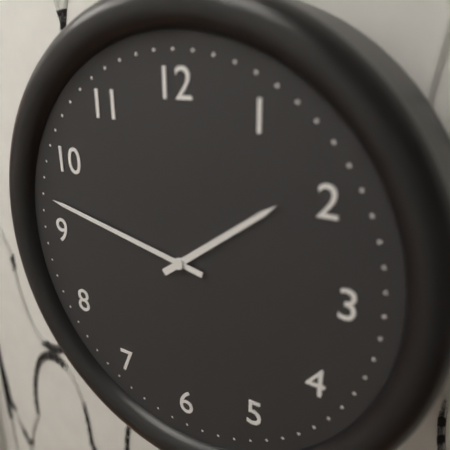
{"hour": 1, "minute": 47}
